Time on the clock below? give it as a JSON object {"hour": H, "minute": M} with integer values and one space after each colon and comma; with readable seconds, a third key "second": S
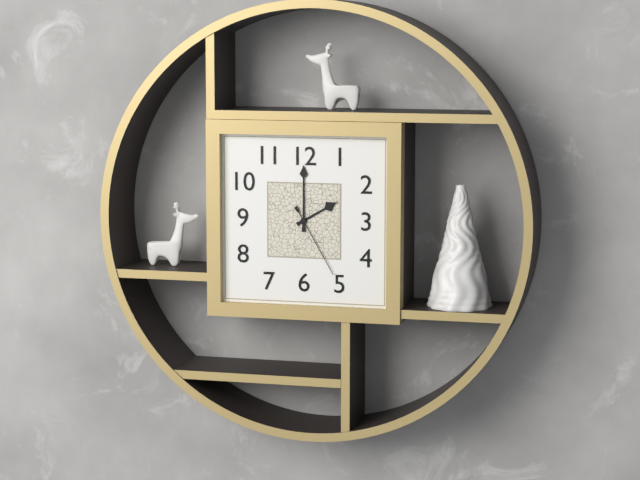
{"hour": 2, "minute": 0, "second": 25}
